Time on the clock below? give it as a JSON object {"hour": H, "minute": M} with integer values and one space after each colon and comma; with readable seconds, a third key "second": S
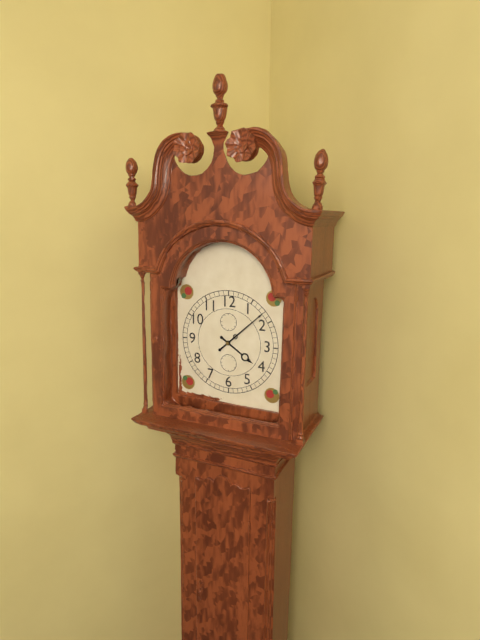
{"hour": 4, "minute": 8}
